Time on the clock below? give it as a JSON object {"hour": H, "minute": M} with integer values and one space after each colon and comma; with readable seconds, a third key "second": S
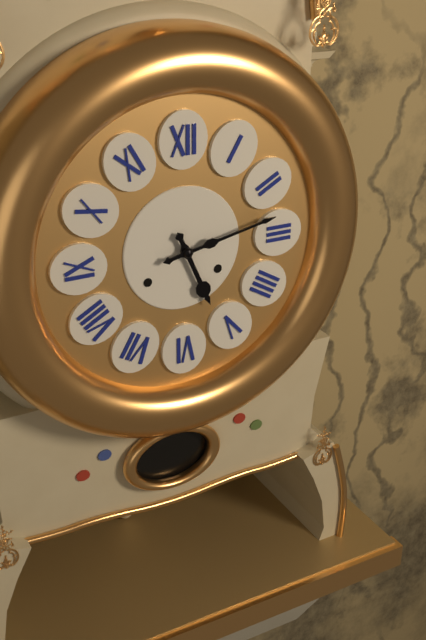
{"hour": 5, "minute": 13}
